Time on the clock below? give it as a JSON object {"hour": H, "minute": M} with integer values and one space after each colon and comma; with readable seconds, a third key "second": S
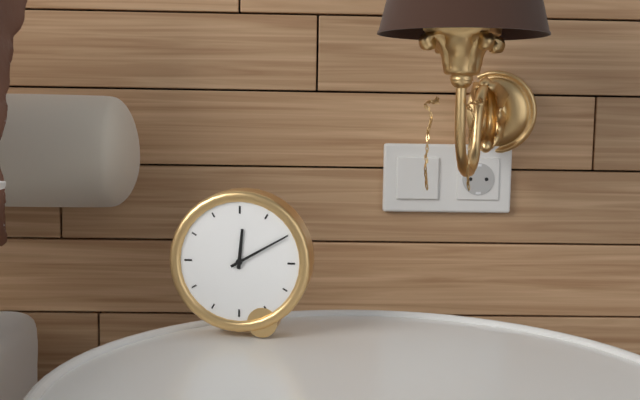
{"hour": 12, "minute": 10}
